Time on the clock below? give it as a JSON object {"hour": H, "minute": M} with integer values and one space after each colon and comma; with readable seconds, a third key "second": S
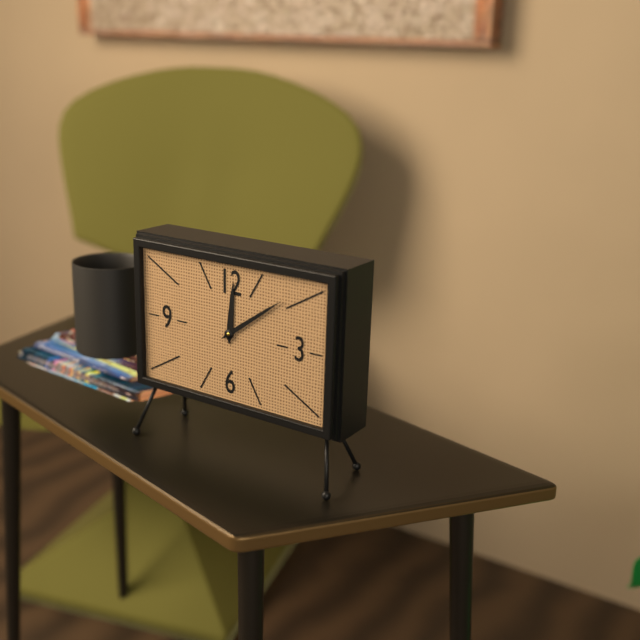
{"hour": 12, "minute": 9}
